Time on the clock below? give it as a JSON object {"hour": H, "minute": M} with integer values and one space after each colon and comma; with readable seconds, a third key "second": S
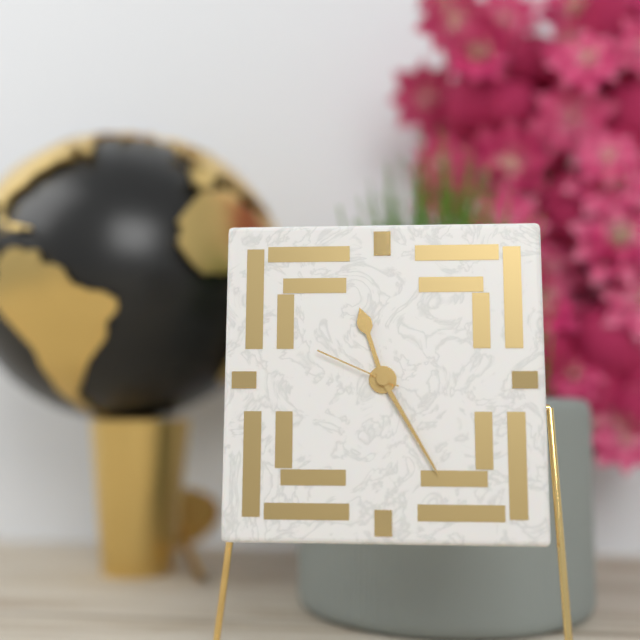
{"hour": 11, "minute": 25, "second": 49}
